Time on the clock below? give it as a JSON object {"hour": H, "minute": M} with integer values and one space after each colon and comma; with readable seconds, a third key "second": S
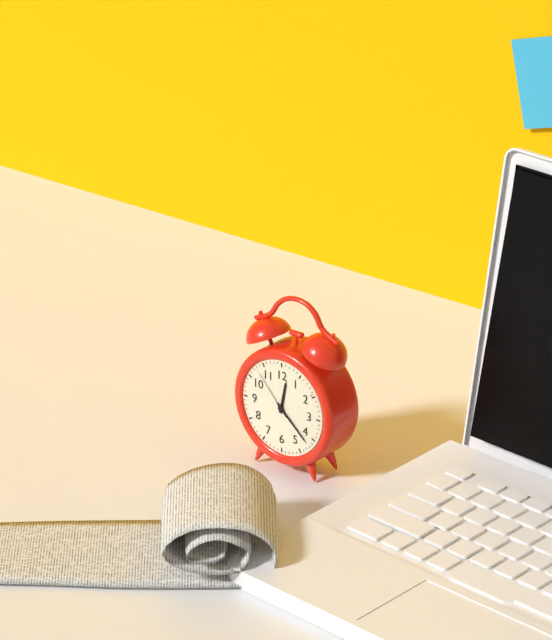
{"hour": 12, "minute": 22, "second": 53}
